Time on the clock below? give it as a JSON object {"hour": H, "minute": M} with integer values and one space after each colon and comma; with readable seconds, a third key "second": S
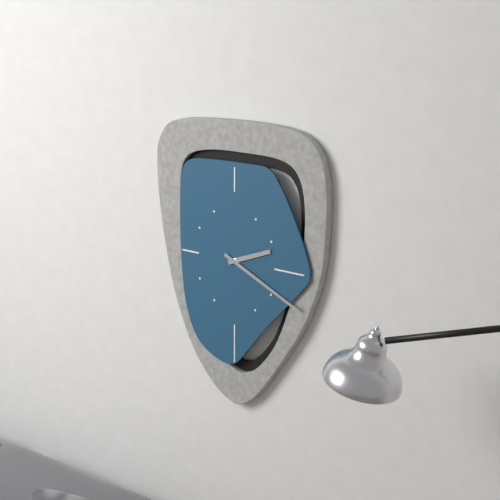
{"hour": 2, "minute": 19}
